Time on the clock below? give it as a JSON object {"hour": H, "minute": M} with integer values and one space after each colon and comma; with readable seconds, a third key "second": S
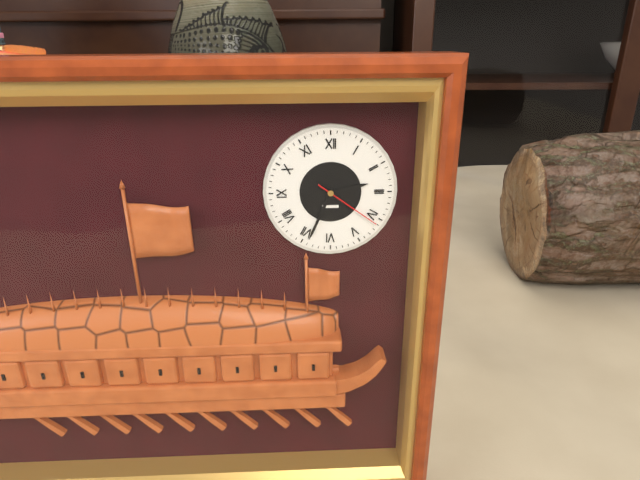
{"hour": 2, "minute": 34, "second": 21}
